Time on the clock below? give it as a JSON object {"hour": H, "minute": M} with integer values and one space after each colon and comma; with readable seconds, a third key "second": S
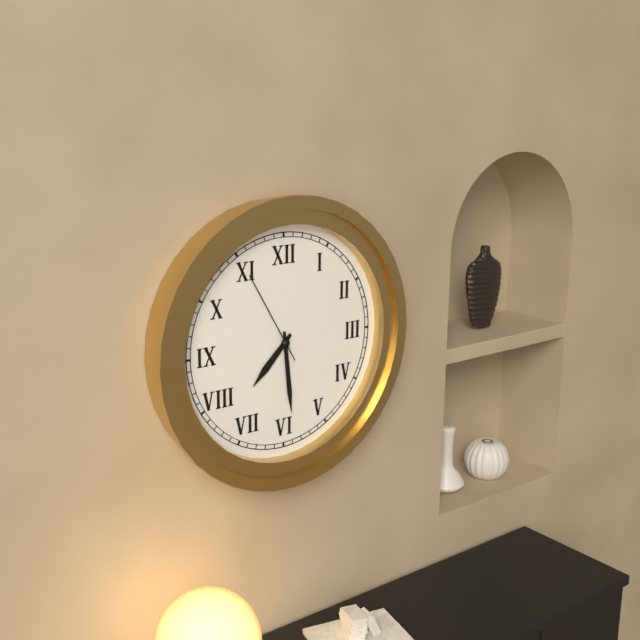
{"hour": 7, "minute": 29, "second": 55}
